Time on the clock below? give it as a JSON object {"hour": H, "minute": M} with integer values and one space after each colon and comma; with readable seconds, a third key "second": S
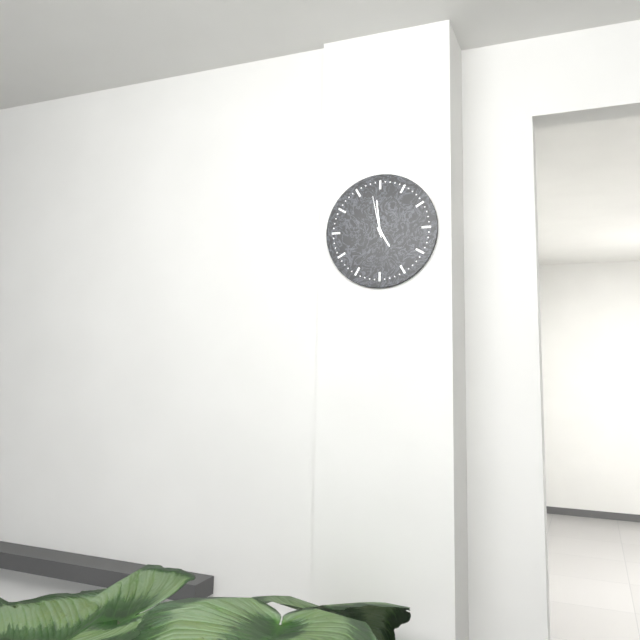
{"hour": 4, "minute": 59}
